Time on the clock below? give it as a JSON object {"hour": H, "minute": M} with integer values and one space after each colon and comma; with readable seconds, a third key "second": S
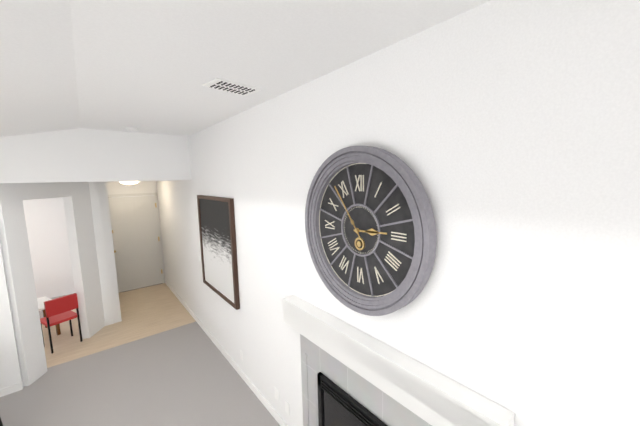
{"hour": 2, "minute": 54}
